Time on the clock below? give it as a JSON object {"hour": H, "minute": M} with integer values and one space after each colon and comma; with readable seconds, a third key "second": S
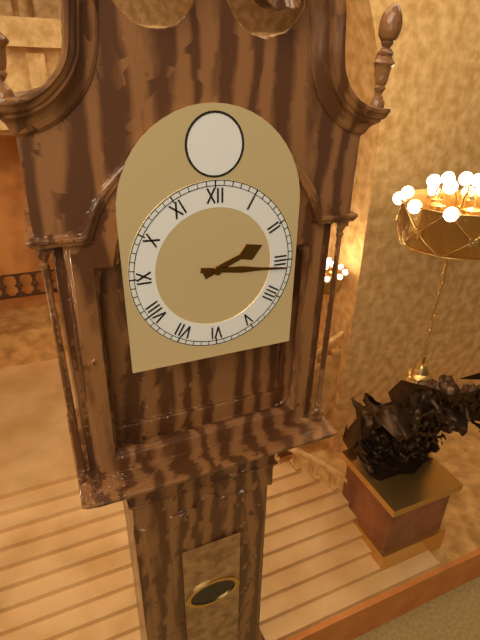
{"hour": 2, "minute": 16}
